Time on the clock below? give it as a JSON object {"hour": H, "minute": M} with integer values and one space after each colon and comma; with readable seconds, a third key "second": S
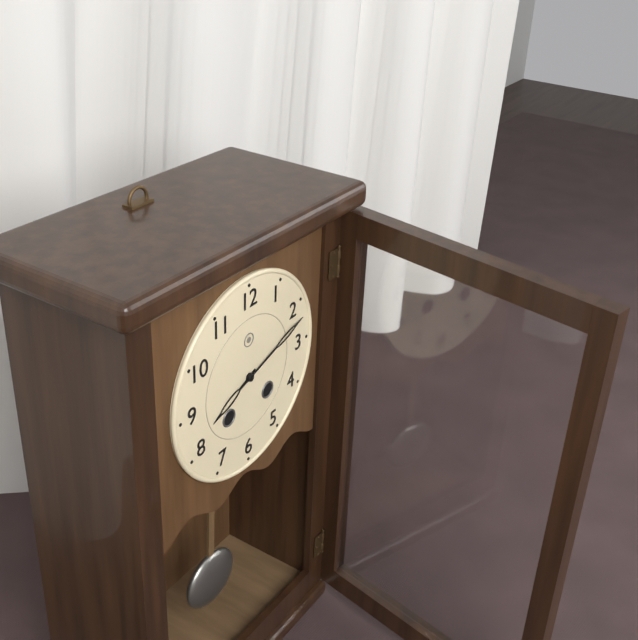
{"hour": 8, "minute": 12}
